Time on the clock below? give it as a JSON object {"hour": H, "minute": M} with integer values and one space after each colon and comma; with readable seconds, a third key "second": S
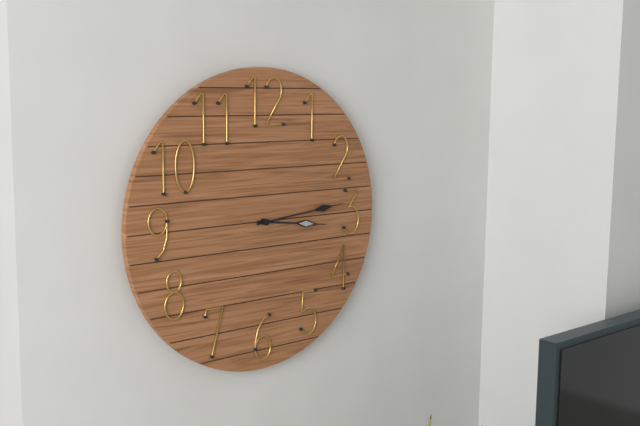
{"hour": 3, "minute": 14}
